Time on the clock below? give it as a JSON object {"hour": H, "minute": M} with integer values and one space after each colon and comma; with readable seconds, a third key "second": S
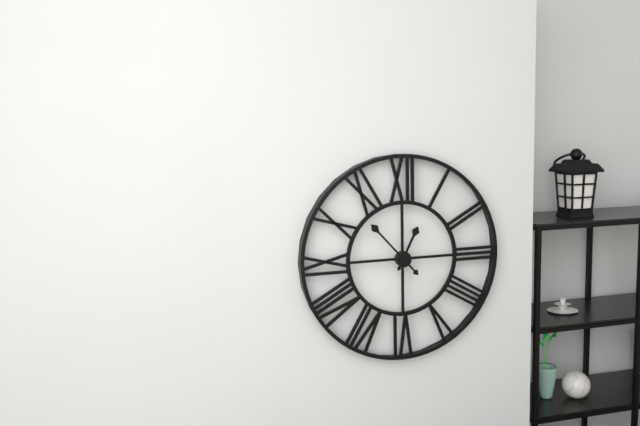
{"hour": 12, "minute": 53}
